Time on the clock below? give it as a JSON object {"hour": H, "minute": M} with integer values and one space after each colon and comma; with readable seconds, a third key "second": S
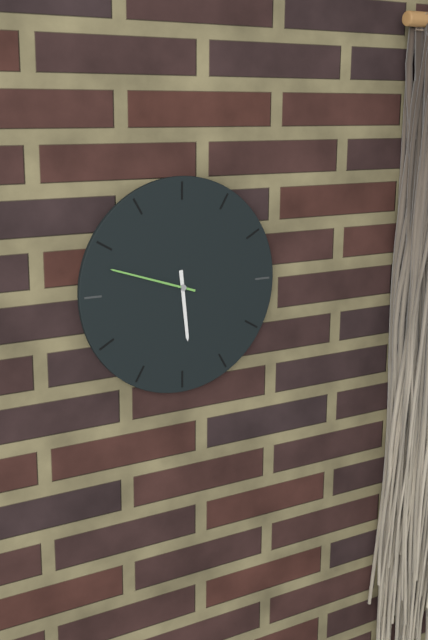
{"hour": 5, "minute": 48}
